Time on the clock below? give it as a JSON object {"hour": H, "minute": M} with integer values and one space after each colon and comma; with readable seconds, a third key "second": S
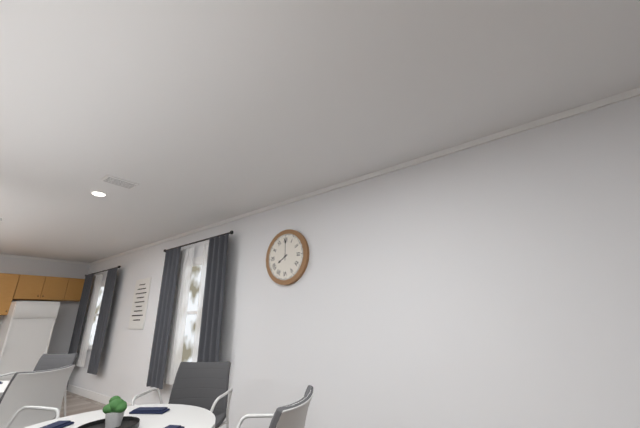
{"hour": 8, "minute": 0}
